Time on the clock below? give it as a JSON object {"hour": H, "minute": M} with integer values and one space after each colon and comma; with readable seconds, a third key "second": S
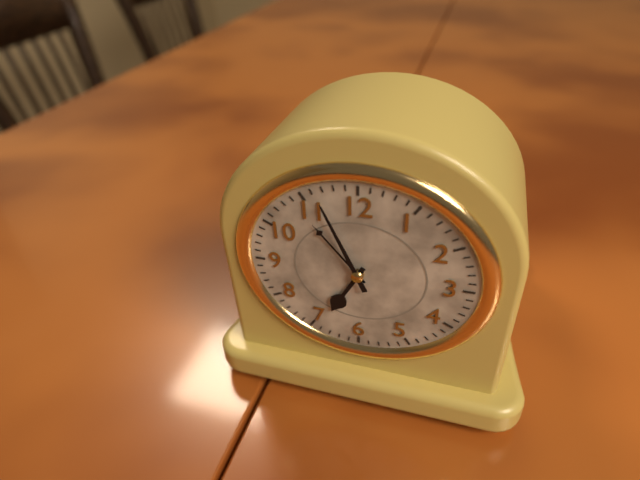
{"hour": 6, "minute": 56}
